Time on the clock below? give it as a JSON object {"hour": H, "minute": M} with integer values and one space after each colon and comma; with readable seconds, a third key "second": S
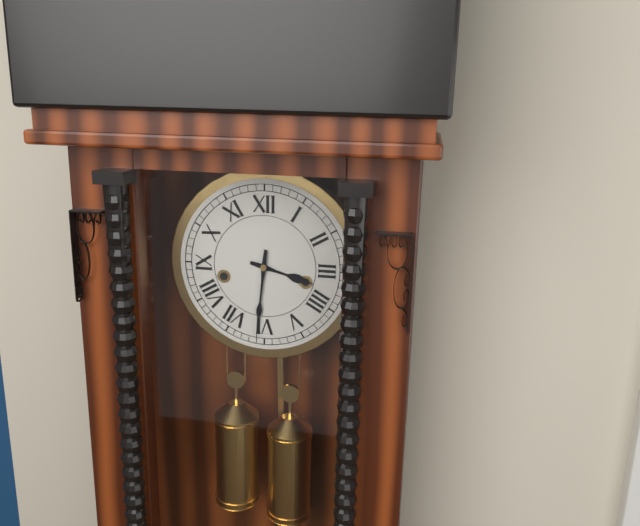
{"hour": 3, "minute": 31}
